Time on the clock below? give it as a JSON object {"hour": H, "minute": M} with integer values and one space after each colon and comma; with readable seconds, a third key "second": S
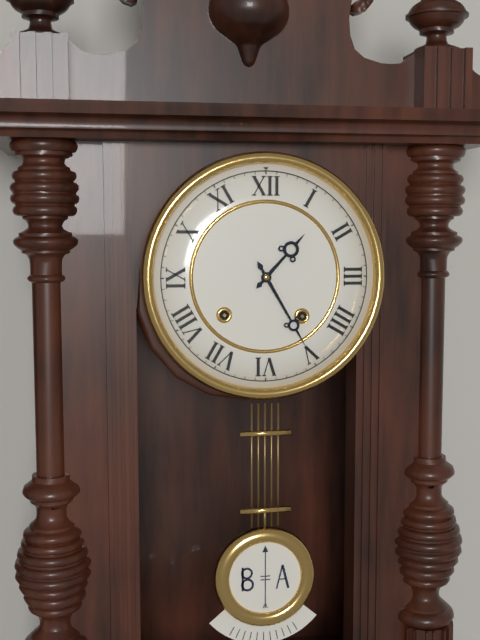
{"hour": 1, "minute": 25}
